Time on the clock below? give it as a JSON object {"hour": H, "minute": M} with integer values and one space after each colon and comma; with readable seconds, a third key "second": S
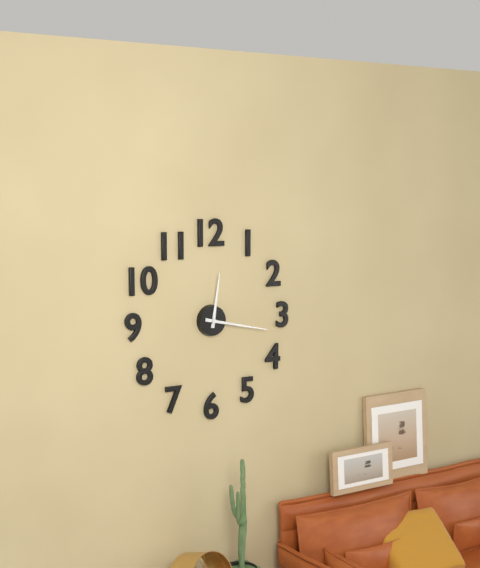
{"hour": 12, "minute": 17}
